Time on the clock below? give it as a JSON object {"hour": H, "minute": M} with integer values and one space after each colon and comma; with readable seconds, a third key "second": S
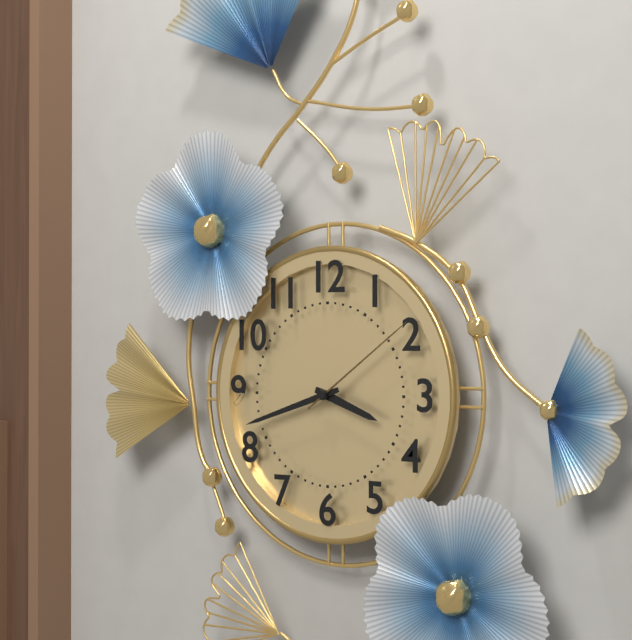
{"hour": 3, "minute": 42, "second": 9}
